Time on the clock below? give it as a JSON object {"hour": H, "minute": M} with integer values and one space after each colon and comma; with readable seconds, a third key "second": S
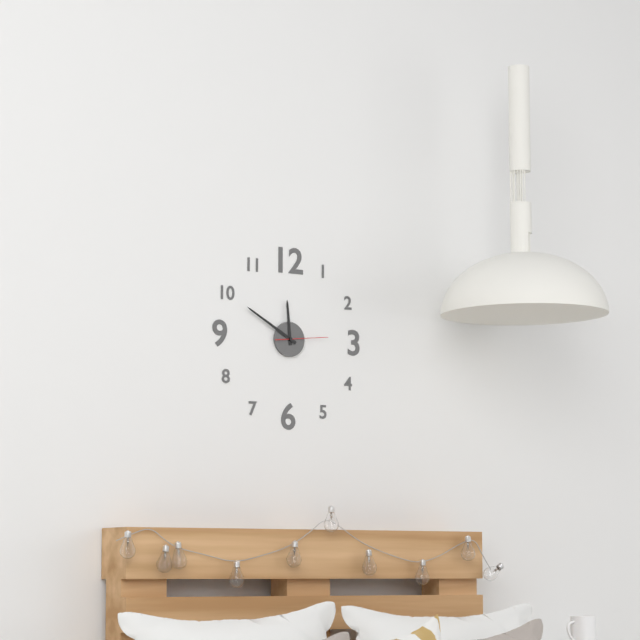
{"hour": 11, "minute": 50}
